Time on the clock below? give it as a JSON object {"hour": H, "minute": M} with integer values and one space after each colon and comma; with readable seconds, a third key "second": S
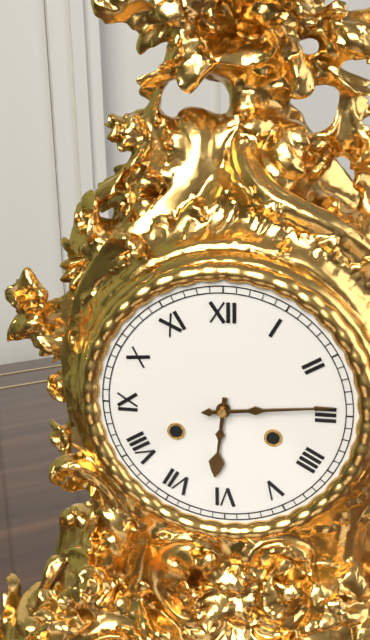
{"hour": 6, "minute": 14}
